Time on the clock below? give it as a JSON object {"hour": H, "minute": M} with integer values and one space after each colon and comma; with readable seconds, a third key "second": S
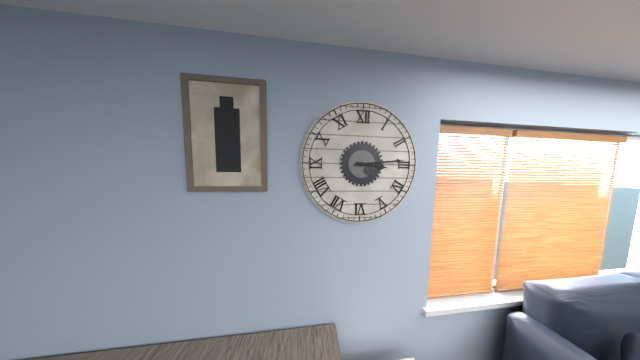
{"hour": 3, "minute": 14}
